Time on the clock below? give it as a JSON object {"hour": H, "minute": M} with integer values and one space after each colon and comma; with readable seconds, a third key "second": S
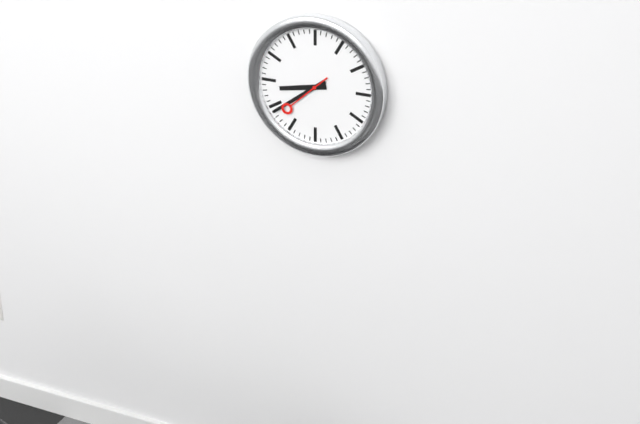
{"hour": 8, "minute": 39, "second": 38}
